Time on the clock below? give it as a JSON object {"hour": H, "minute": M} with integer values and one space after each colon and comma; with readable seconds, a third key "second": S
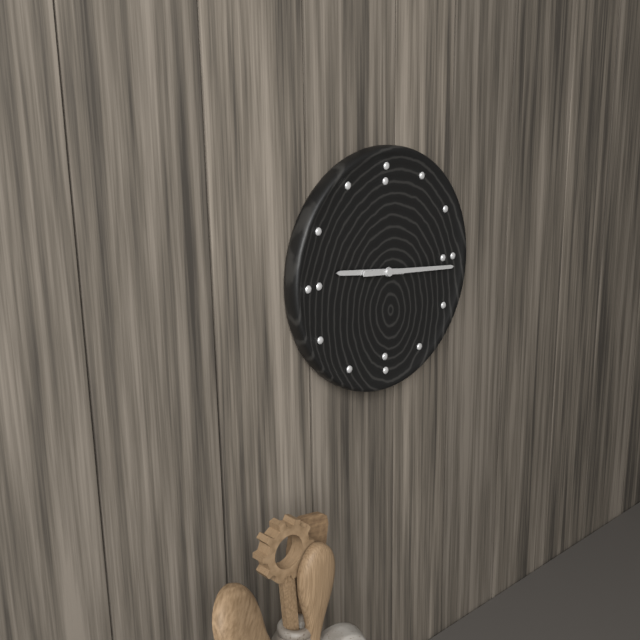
{"hour": 9, "minute": 16}
